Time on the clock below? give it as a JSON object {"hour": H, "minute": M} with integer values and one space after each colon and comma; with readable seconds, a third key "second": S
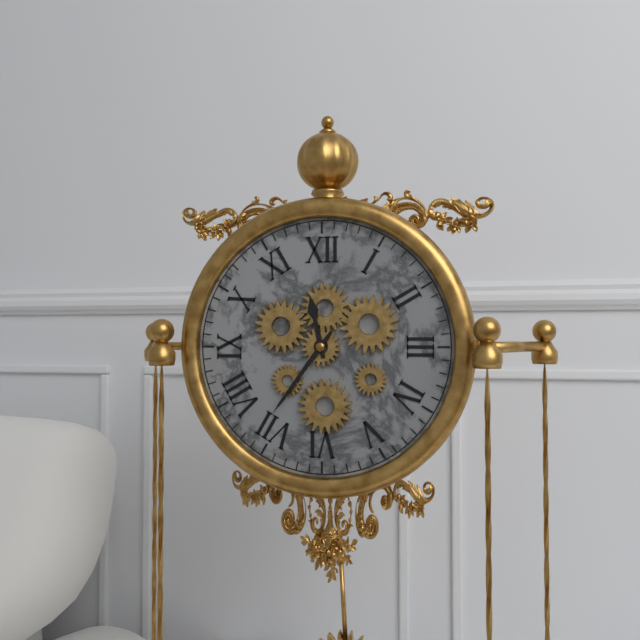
{"hour": 11, "minute": 36}
